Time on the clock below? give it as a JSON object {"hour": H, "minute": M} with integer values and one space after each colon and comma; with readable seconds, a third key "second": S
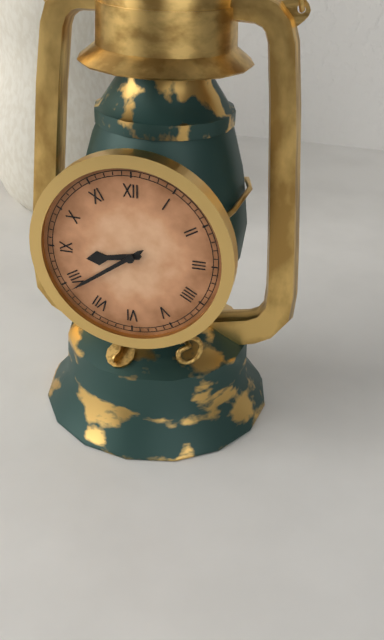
{"hour": 8, "minute": 39}
